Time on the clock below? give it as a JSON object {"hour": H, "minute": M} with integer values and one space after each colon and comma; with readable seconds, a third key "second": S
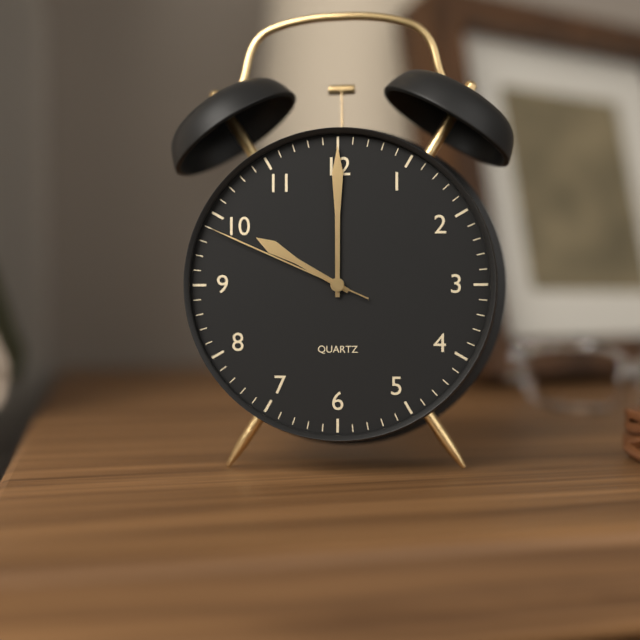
{"hour": 10, "minute": 0, "second": 49}
